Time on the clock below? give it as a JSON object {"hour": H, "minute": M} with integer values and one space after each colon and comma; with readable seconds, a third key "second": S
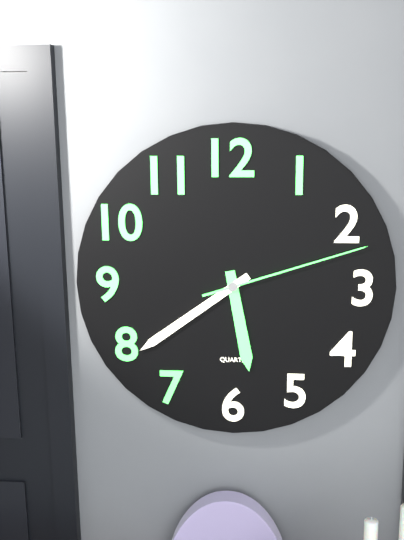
{"hour": 5, "minute": 39, "second": 12}
